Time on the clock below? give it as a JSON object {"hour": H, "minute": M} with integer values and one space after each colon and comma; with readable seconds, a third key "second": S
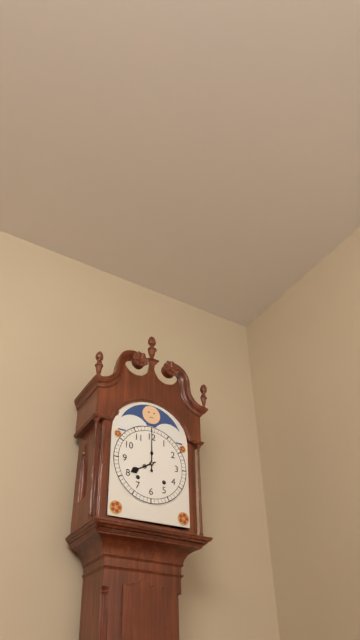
{"hour": 8, "minute": 0}
